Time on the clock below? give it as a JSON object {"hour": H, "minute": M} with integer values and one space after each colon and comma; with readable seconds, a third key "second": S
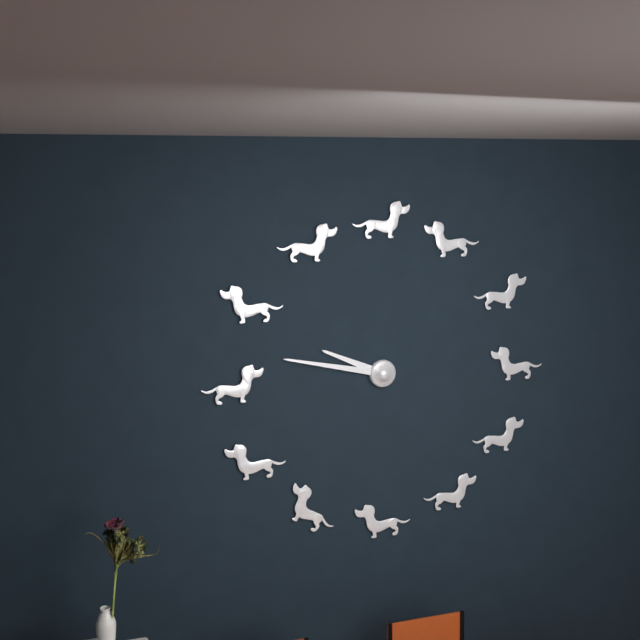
{"hour": 9, "minute": 47}
